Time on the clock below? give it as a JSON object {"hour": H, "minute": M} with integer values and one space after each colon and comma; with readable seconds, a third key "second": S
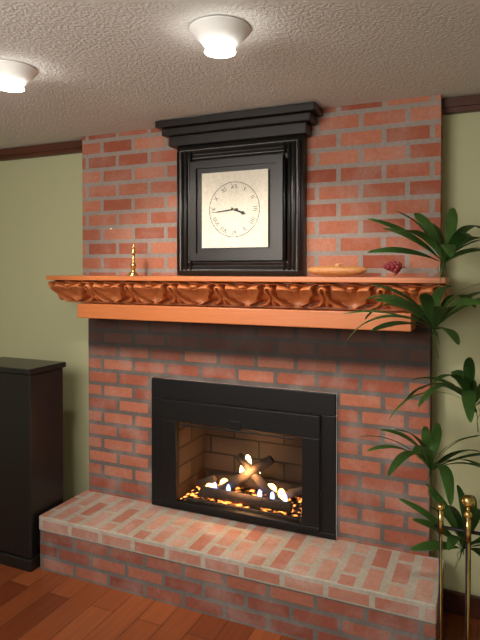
{"hour": 3, "minute": 44}
